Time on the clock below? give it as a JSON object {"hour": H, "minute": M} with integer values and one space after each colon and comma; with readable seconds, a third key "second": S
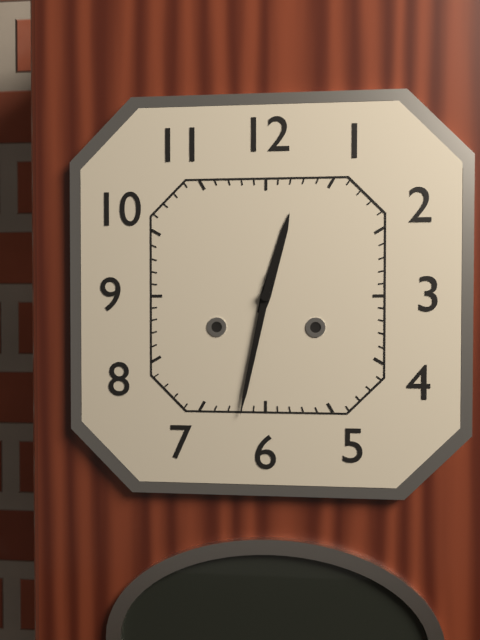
{"hour": 12, "minute": 32}
